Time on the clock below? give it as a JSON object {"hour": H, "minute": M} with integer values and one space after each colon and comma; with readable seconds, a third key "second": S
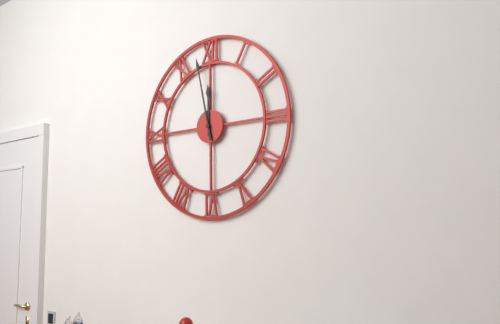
{"hour": 11, "minute": 58}
